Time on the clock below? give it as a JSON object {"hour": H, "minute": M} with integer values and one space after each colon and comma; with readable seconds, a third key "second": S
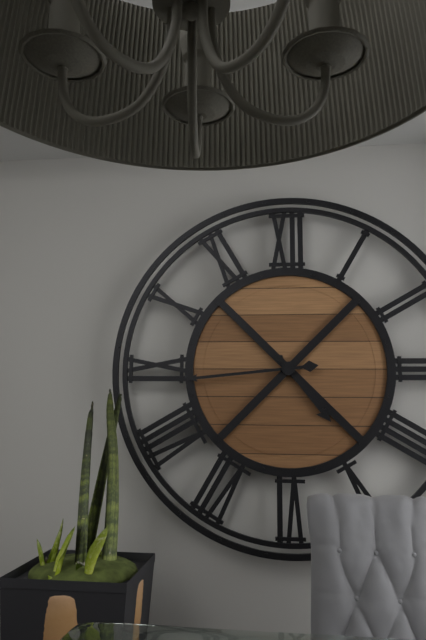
{"hour": 4, "minute": 44}
